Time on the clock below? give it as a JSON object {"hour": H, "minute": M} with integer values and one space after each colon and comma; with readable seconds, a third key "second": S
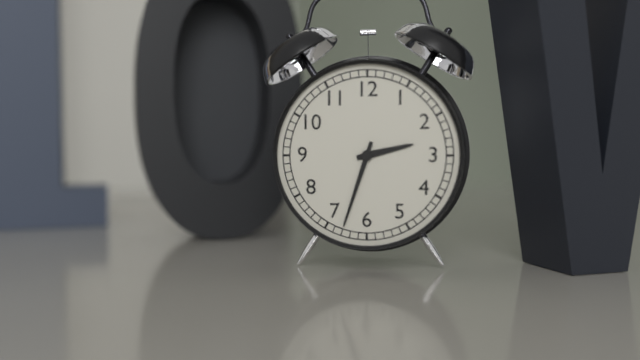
{"hour": 2, "minute": 33}
